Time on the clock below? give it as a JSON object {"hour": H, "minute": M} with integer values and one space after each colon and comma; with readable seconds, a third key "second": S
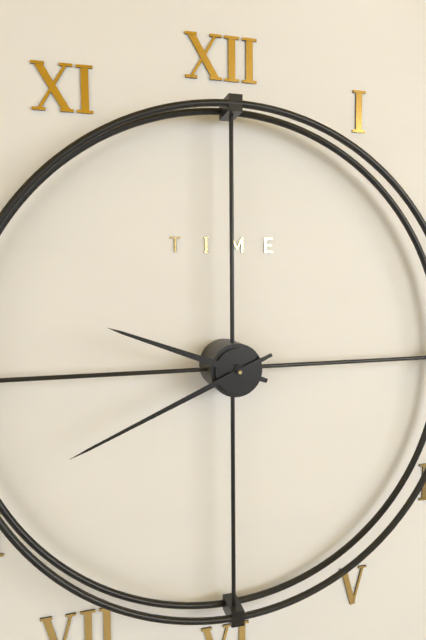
{"hour": 9, "minute": 41}
